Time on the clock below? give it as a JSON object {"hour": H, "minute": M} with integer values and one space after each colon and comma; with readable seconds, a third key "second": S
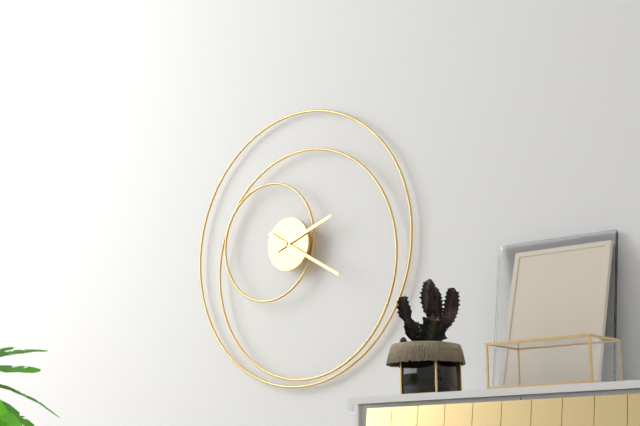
{"hour": 2, "minute": 20}
